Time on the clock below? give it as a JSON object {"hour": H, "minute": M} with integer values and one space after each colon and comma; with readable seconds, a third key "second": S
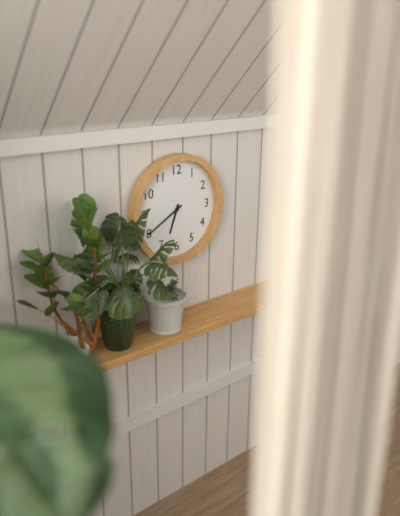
{"hour": 6, "minute": 40}
